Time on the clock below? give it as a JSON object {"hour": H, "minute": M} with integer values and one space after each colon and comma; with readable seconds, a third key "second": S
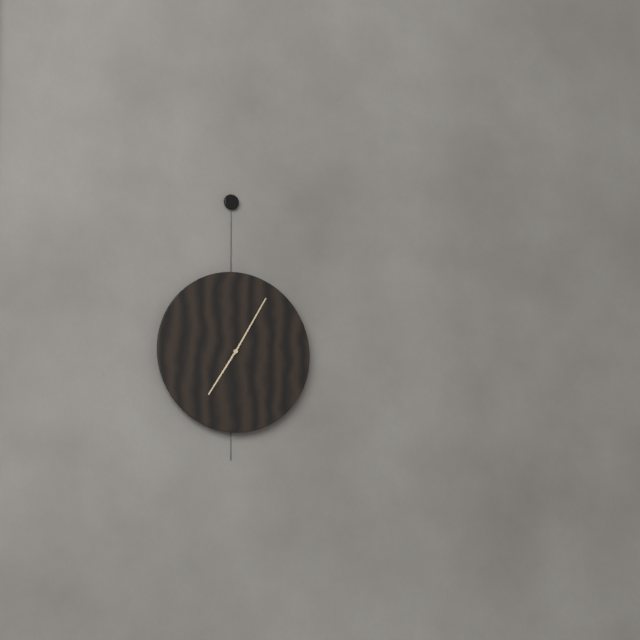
{"hour": 7, "minute": 5}
